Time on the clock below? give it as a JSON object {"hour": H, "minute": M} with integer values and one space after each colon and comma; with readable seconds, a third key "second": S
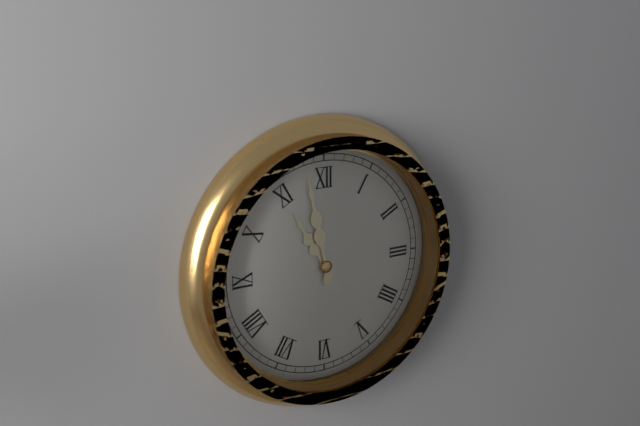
{"hour": 10, "minute": 58}
